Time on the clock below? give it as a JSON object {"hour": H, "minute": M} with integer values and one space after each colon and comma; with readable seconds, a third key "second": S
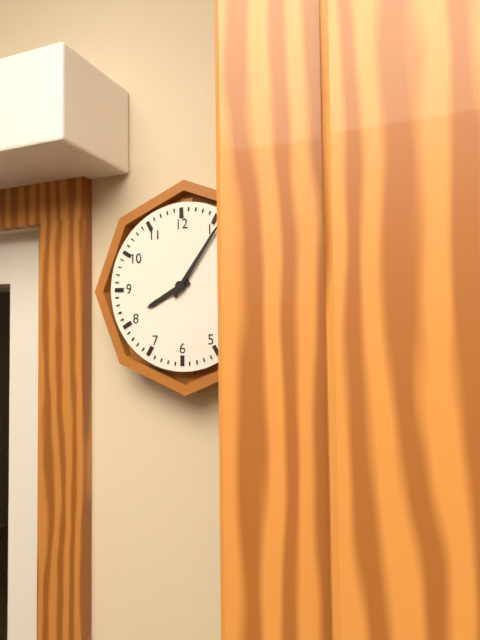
{"hour": 8, "minute": 6}
